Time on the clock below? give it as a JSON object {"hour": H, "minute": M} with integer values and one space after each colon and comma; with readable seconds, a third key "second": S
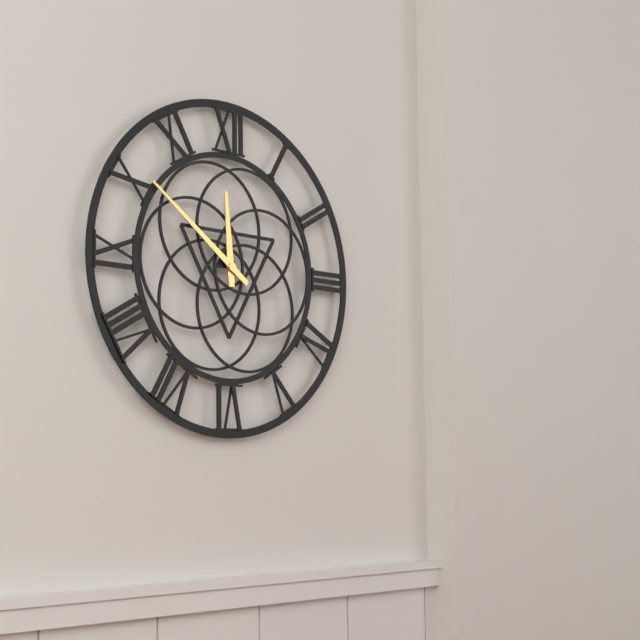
{"hour": 11, "minute": 51}
